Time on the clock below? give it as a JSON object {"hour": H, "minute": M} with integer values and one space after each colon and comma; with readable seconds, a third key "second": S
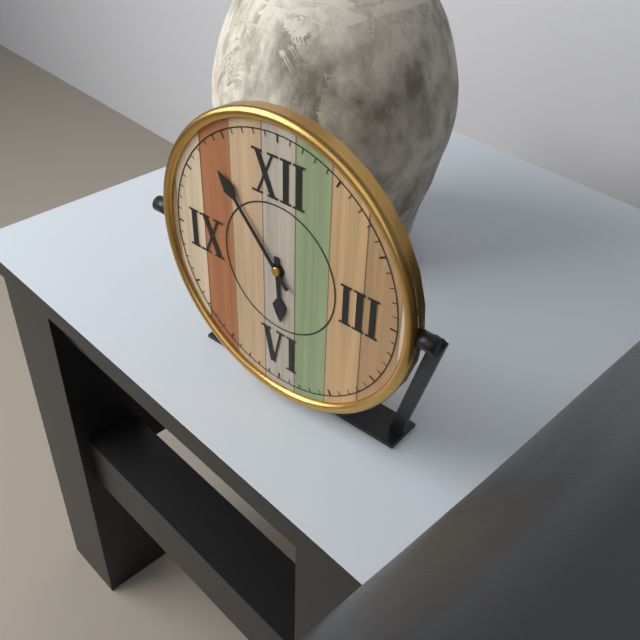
{"hour": 5, "minute": 53}
